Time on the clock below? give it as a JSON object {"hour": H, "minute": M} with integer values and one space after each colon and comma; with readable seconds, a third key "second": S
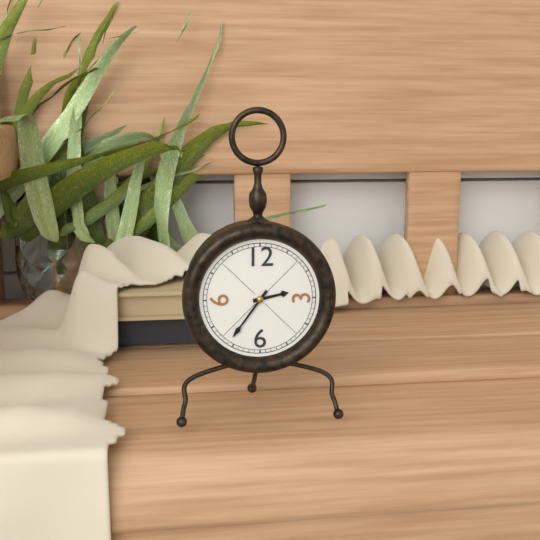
{"hour": 2, "minute": 36}
